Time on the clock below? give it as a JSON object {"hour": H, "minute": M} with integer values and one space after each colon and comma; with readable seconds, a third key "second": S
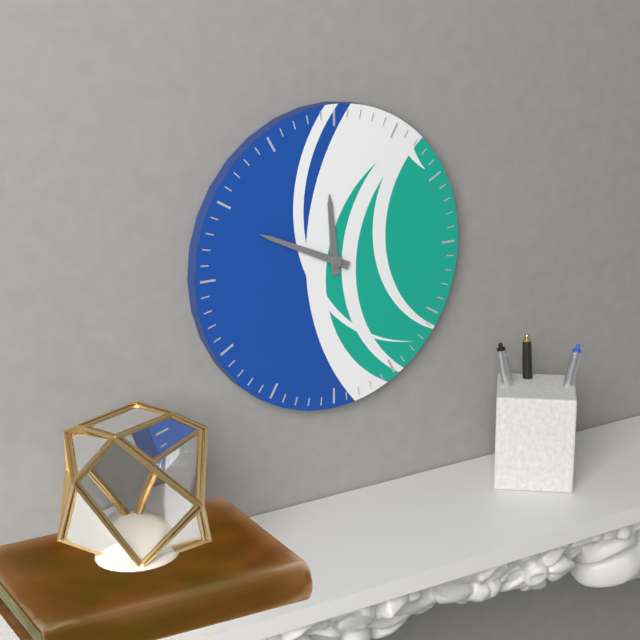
{"hour": 11, "minute": 49}
